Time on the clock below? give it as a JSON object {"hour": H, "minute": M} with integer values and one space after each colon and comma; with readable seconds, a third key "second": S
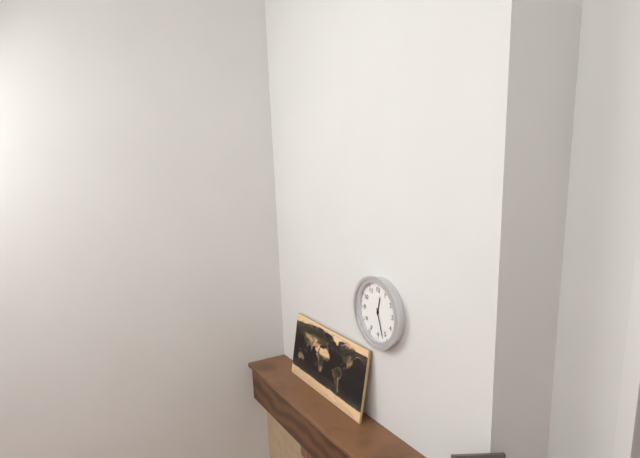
{"hour": 12, "minute": 27}
